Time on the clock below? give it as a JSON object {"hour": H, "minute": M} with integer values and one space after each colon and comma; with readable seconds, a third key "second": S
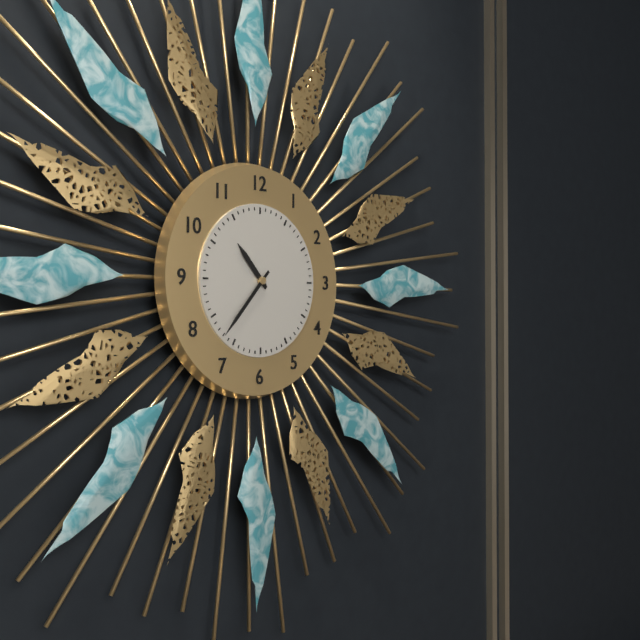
{"hour": 10, "minute": 37}
